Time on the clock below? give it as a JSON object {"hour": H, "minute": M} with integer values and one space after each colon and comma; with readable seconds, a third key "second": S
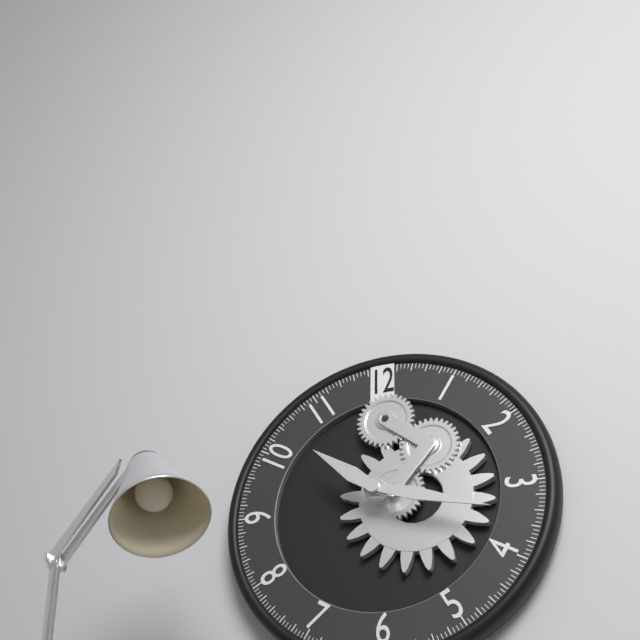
{"hour": 10, "minute": 18}
